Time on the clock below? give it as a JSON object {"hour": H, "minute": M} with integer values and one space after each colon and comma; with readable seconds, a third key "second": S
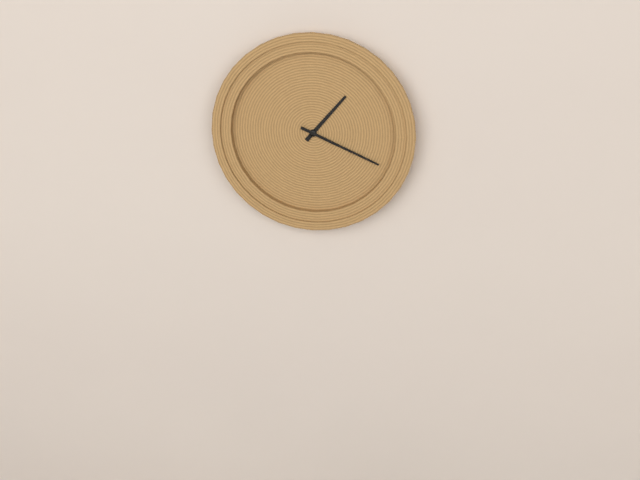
{"hour": 1, "minute": 19}
